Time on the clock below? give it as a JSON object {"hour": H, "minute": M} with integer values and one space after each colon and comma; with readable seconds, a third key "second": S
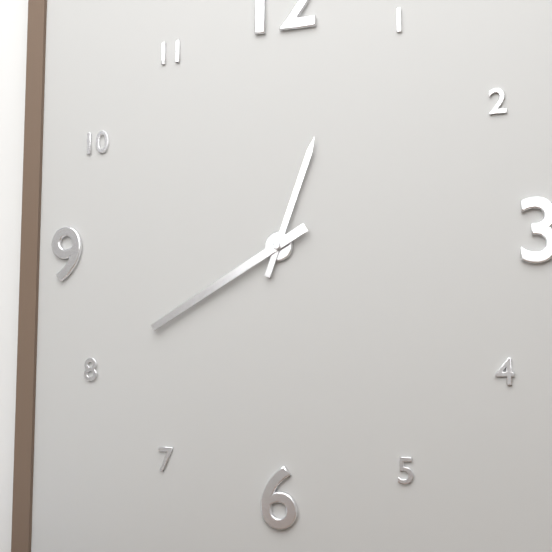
{"hour": 12, "minute": 40}
